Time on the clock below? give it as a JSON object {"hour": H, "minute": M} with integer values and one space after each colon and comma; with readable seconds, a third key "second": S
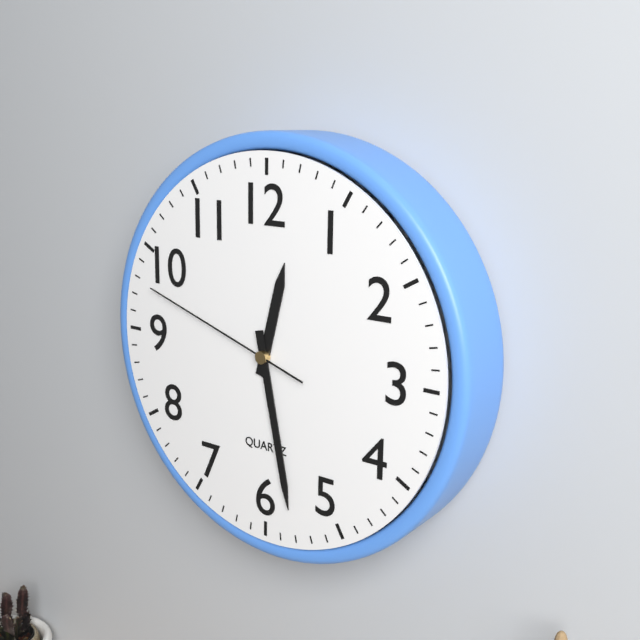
{"hour": 12, "minute": 28, "second": 48}
